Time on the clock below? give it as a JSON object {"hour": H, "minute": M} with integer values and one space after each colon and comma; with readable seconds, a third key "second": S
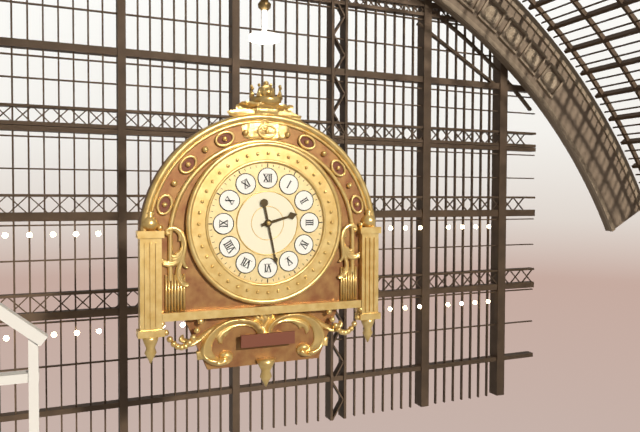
{"hour": 2, "minute": 28}
